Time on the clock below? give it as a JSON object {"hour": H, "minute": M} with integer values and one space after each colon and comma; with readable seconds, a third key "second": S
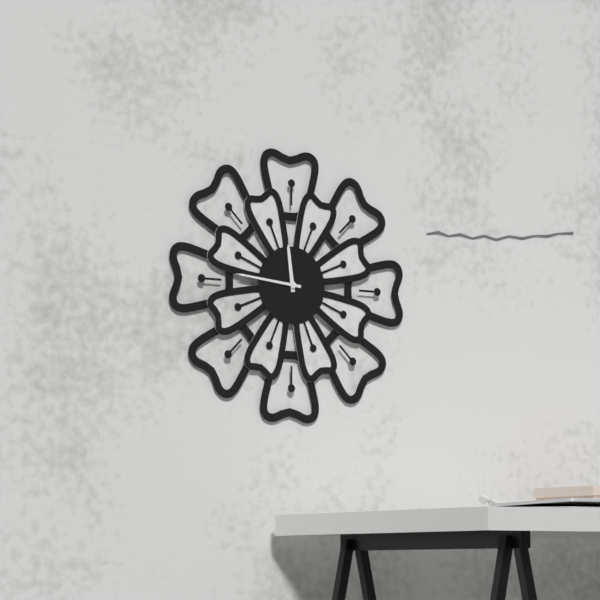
{"hour": 11, "minute": 46}
